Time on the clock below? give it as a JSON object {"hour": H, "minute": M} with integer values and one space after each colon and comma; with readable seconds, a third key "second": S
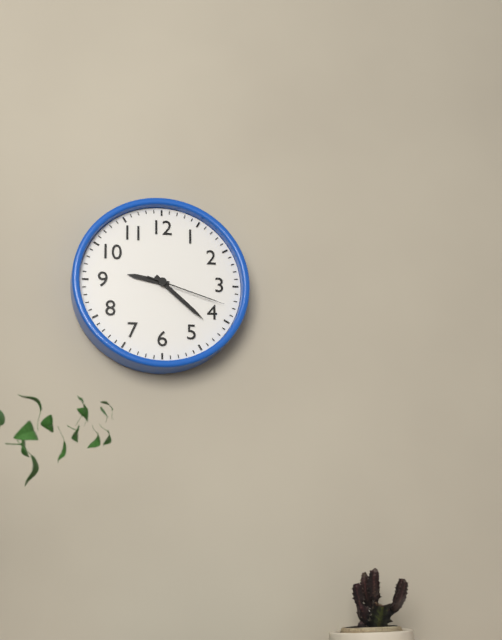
{"hour": 9, "minute": 22, "second": 18}
